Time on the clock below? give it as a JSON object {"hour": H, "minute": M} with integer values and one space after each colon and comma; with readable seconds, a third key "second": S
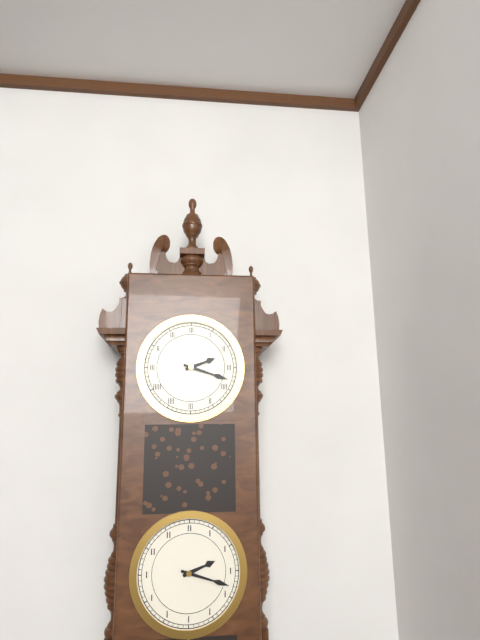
{"hour": 2, "minute": 18}
